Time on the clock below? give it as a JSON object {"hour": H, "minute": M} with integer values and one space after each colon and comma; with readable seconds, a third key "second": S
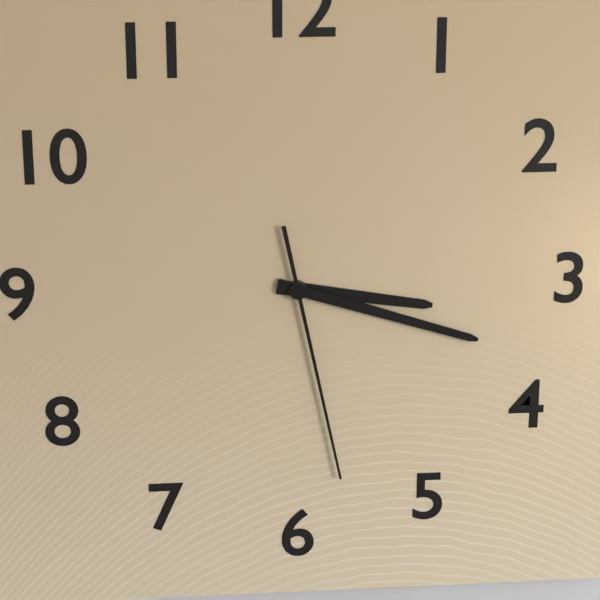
{"hour": 3, "minute": 18, "second": 28}
